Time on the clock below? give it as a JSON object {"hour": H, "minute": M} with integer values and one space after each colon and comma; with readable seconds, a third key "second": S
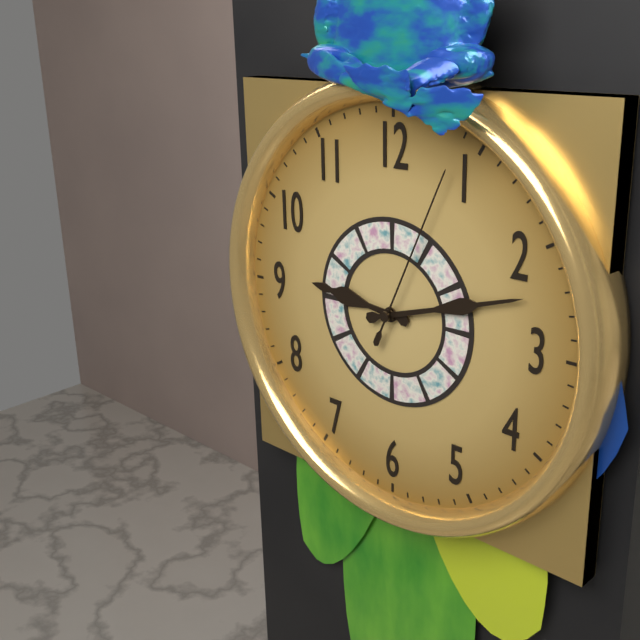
{"hour": 9, "minute": 12, "second": 4}
